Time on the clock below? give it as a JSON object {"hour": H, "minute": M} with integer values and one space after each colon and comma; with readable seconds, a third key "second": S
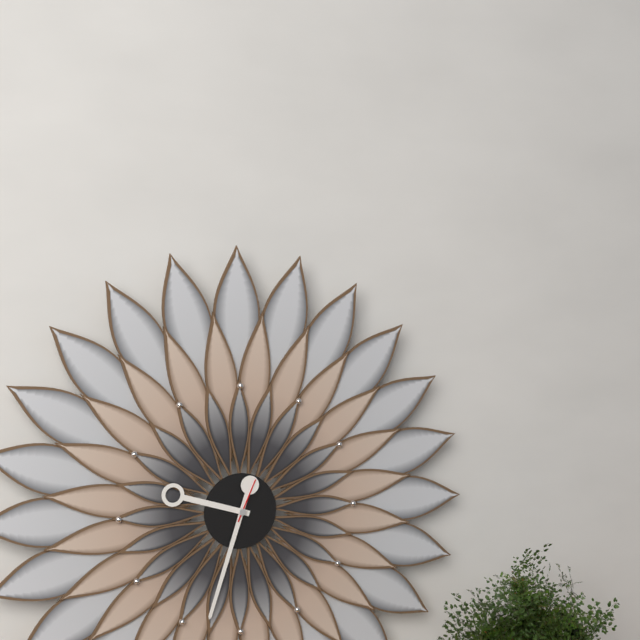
{"hour": 9, "minute": 33}
